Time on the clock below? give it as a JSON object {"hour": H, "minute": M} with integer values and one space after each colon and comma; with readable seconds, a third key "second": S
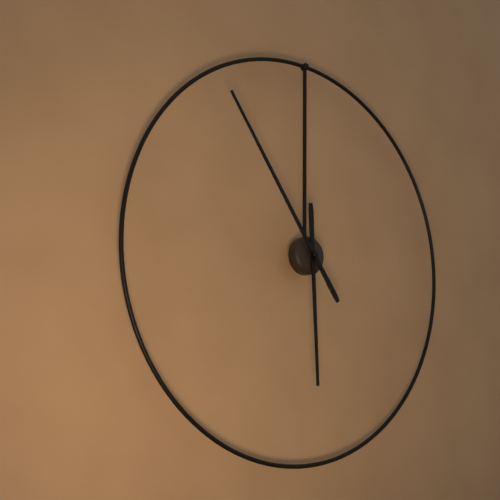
{"hour": 5, "minute": 54}
